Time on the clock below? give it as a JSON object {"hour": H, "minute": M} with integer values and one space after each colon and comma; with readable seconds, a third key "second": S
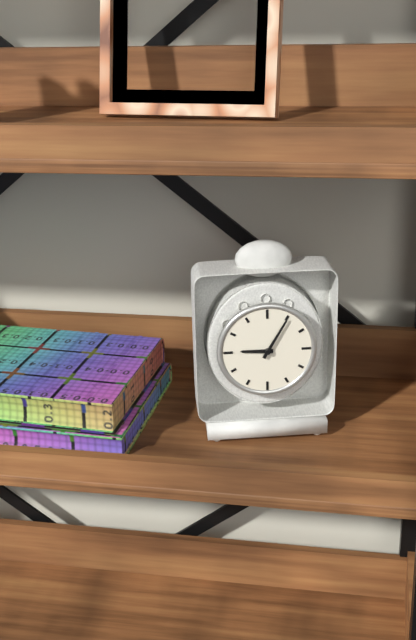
{"hour": 9, "minute": 5}
